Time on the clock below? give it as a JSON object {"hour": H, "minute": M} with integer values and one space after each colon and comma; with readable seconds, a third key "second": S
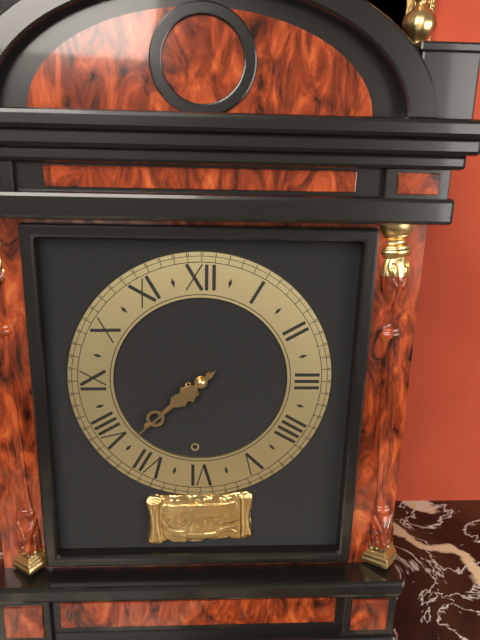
{"hour": 7, "minute": 38}
